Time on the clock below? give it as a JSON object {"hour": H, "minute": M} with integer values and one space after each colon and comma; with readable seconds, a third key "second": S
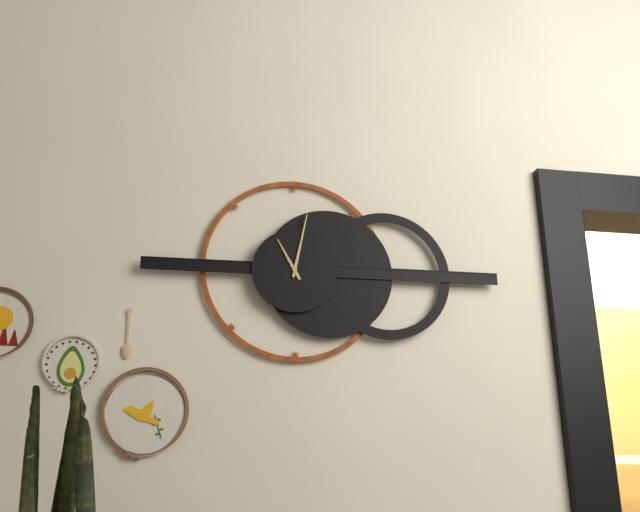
{"hour": 11, "minute": 2}
